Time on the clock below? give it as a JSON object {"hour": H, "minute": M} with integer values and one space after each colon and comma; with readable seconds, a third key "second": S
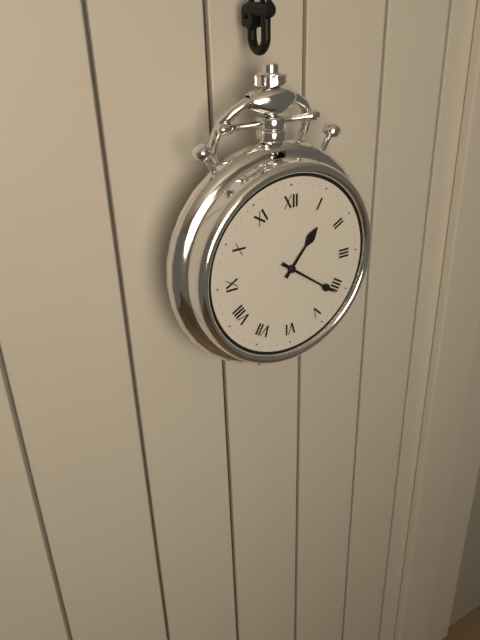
{"hour": 1, "minute": 21}
